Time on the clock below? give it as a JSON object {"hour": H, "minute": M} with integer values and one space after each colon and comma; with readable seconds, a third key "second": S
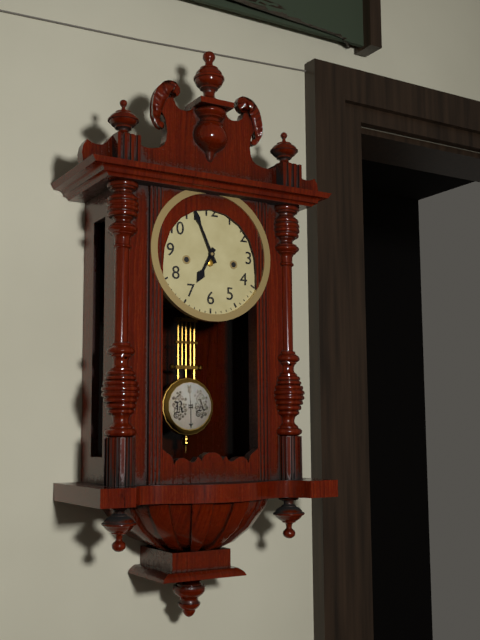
{"hour": 6, "minute": 56}
